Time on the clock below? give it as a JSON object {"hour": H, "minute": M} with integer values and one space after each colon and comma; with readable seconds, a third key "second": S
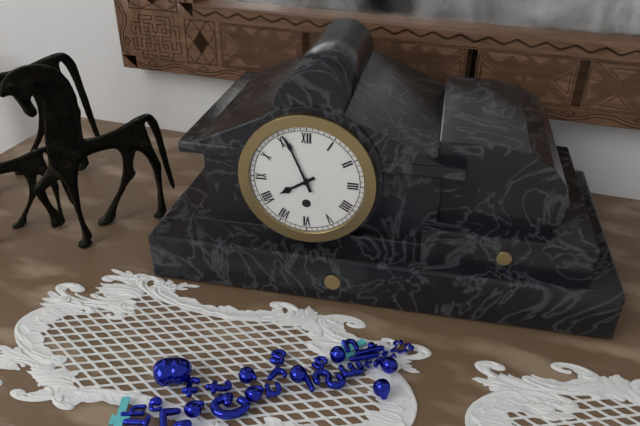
{"hour": 7, "minute": 56}
